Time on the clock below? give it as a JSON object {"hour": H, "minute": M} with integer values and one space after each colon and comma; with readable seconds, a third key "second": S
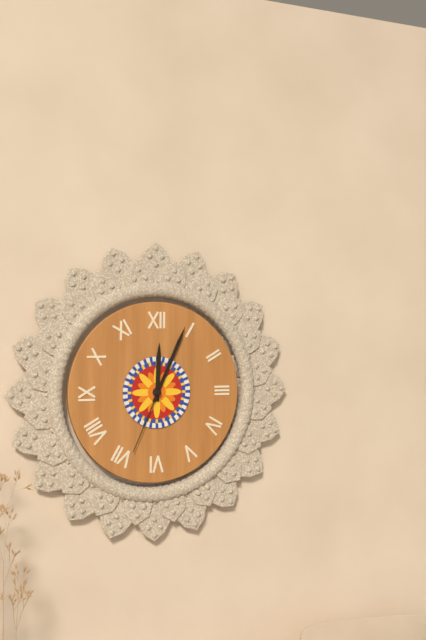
{"hour": 12, "minute": 4, "second": 34}
